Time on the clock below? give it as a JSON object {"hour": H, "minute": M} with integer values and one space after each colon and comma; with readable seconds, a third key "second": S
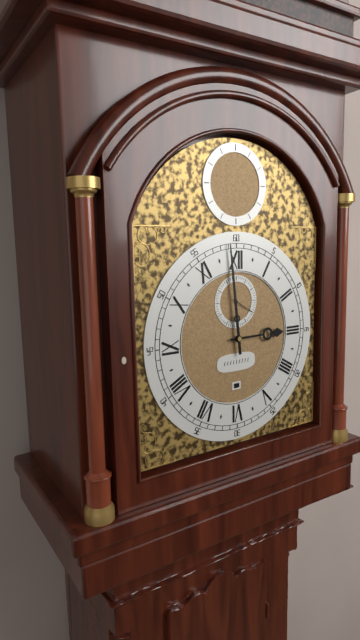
{"hour": 2, "minute": 59}
